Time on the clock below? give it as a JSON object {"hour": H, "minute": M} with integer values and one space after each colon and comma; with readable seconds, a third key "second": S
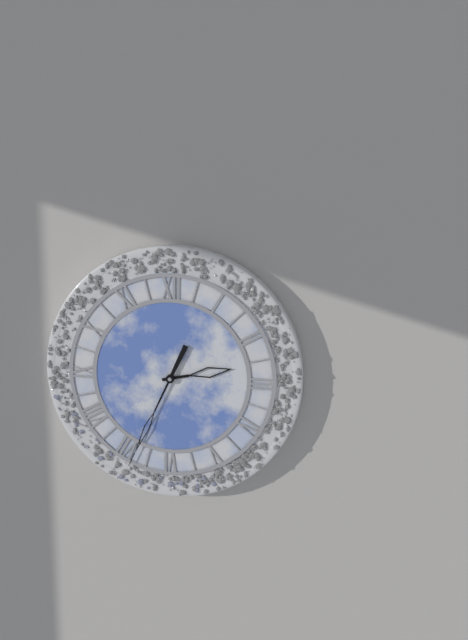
{"hour": 2, "minute": 34}
